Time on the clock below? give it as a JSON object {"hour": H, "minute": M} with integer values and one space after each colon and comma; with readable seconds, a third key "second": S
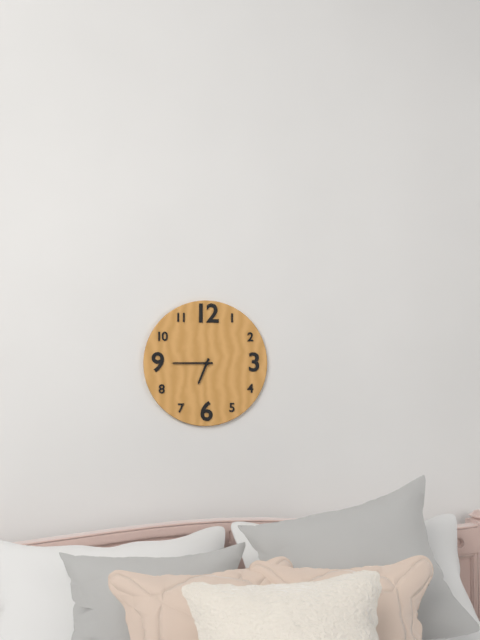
{"hour": 6, "minute": 45}
